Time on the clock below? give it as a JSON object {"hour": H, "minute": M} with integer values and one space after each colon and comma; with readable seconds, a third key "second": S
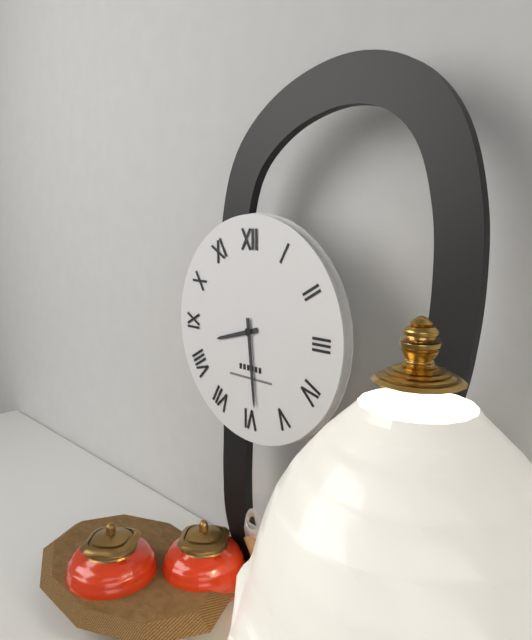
{"hour": 8, "minute": 29}
